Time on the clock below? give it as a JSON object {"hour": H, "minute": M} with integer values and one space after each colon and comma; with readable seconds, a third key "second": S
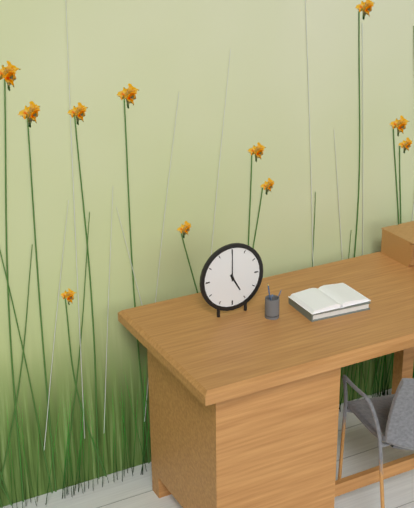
{"hour": 5, "minute": 0}
